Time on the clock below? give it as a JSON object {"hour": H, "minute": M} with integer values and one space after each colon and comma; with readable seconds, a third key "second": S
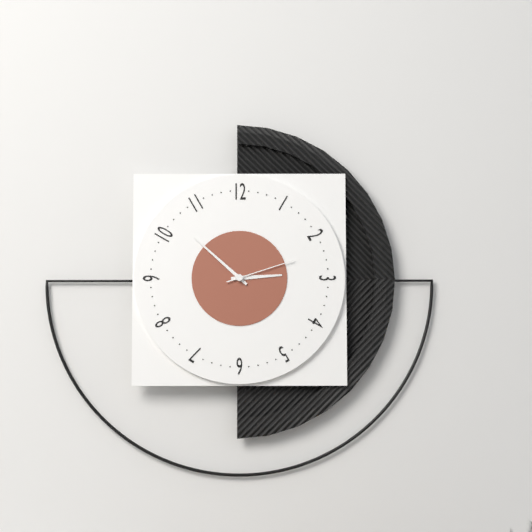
{"hour": 2, "minute": 52, "second": 12}
